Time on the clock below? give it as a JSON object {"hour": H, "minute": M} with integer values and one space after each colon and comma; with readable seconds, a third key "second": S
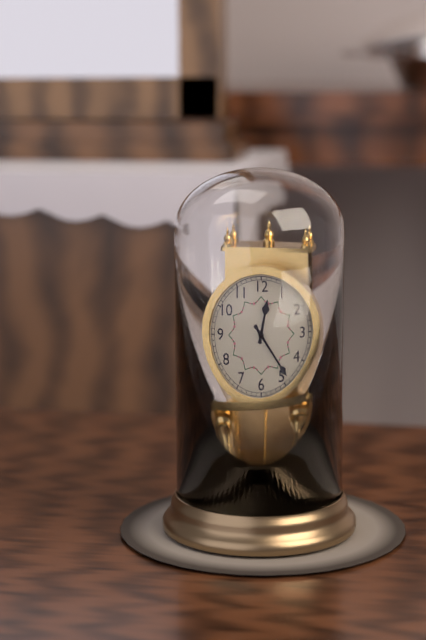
{"hour": 12, "minute": 24}
